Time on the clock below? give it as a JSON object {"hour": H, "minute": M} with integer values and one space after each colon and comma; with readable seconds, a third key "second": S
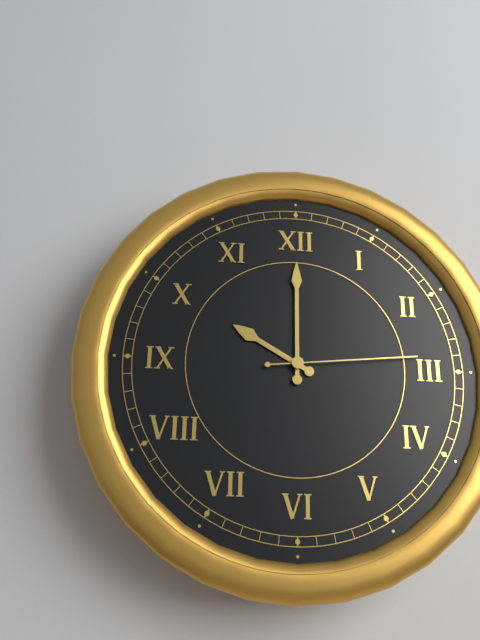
{"hour": 10, "minute": 0, "second": 14}
